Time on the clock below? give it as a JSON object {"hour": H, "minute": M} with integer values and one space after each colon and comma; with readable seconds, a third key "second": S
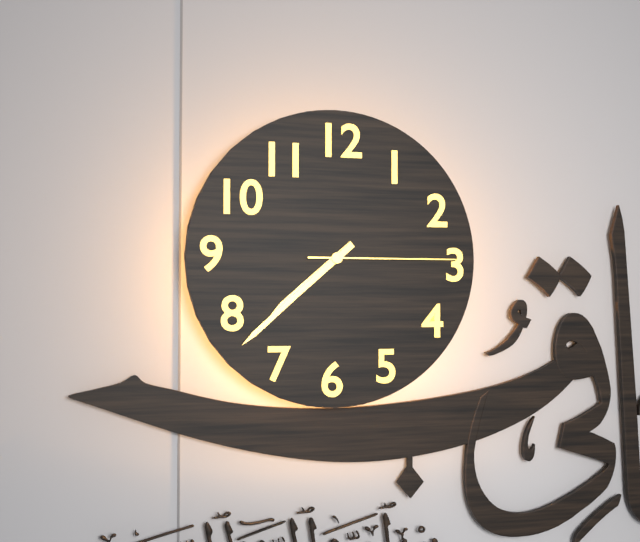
{"hour": 7, "minute": 38, "second": 15}
